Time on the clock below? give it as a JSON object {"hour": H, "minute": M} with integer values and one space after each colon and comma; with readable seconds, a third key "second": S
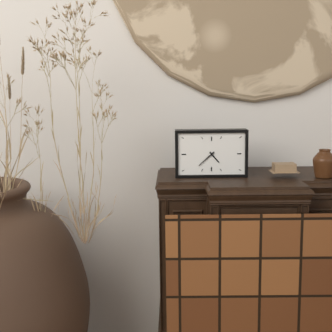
{"hour": 4, "minute": 38}
